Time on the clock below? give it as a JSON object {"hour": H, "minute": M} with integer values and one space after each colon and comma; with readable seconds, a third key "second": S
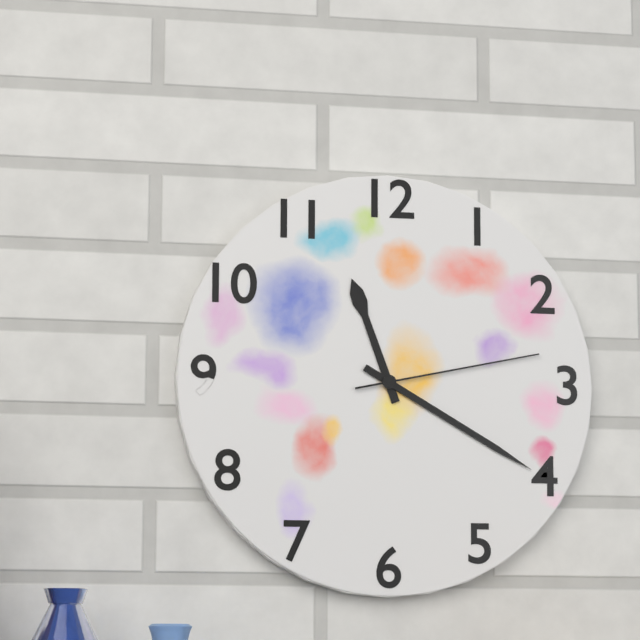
{"hour": 11, "minute": 20, "second": 13}
